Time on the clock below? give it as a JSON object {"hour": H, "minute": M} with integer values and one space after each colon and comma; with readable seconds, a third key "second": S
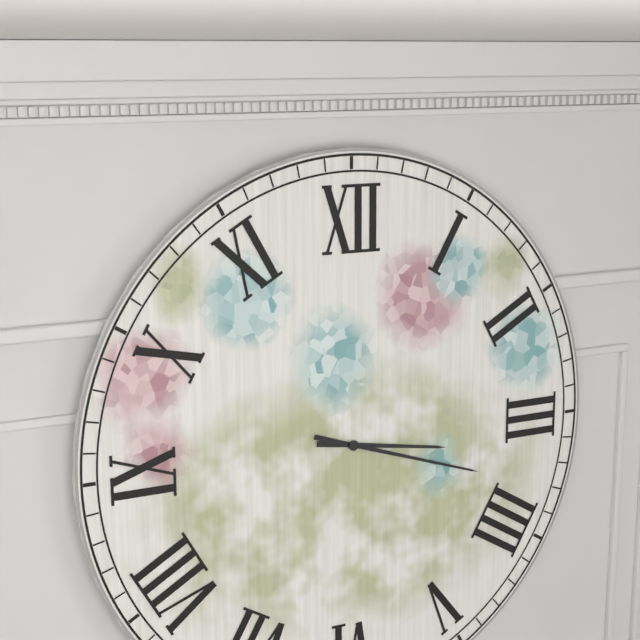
{"hour": 3, "minute": 18}
